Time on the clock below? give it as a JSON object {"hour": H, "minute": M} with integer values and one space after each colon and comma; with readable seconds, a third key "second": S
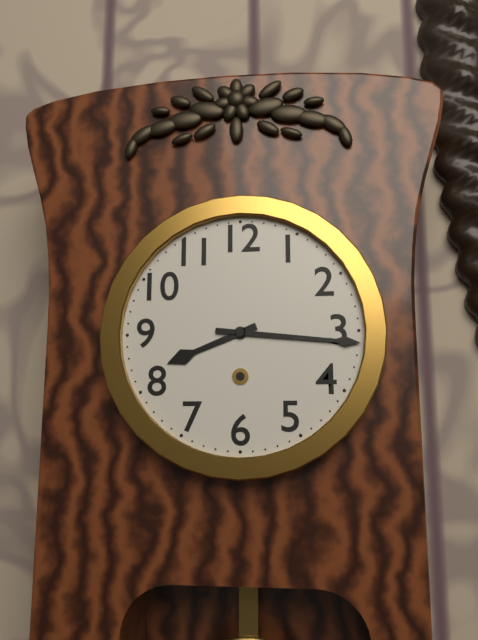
{"hour": 8, "minute": 16}
